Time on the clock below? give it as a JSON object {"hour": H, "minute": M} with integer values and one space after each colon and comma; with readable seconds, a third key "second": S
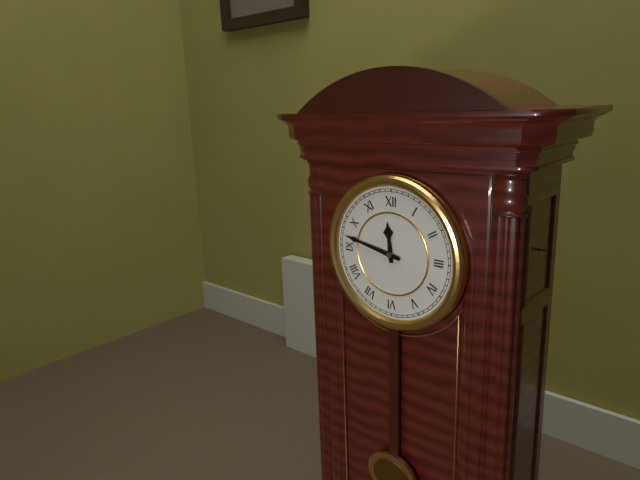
{"hour": 11, "minute": 47}
